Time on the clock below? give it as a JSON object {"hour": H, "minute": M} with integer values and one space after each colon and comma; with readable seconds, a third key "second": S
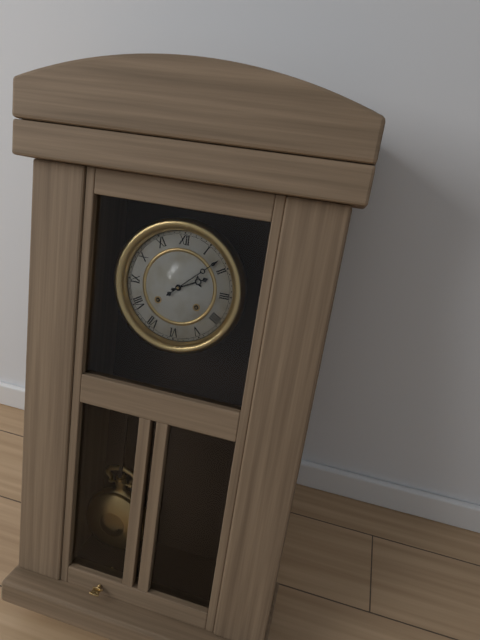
{"hour": 2, "minute": 8}
